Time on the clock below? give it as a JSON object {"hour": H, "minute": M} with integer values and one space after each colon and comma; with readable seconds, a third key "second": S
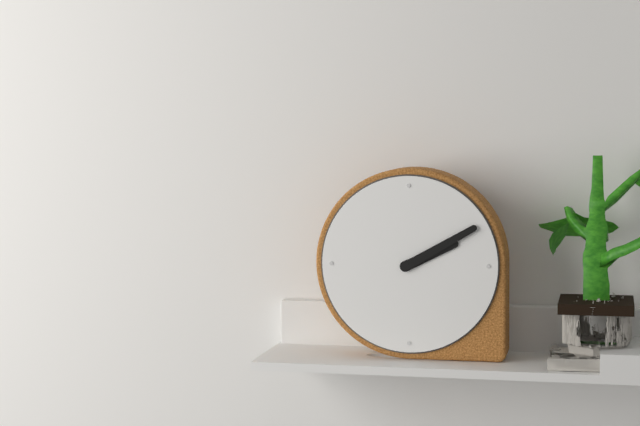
{"hour": 2, "minute": 10}
